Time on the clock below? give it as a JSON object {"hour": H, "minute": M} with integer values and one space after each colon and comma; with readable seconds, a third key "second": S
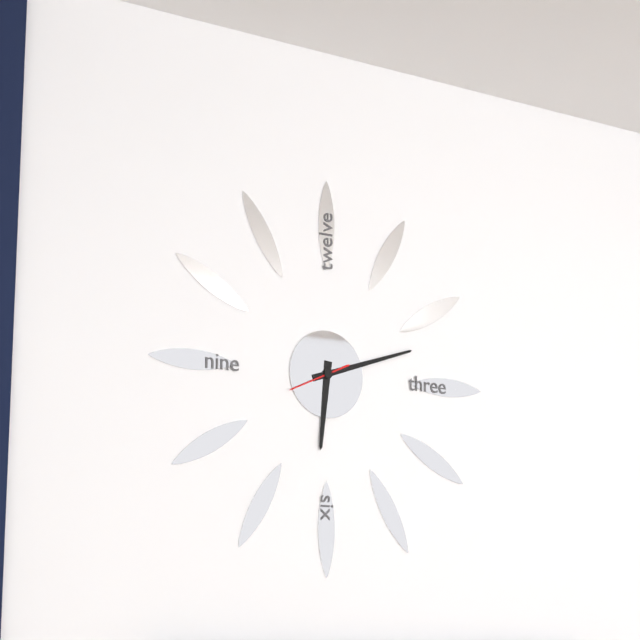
{"hour": 6, "minute": 12, "second": 41}
